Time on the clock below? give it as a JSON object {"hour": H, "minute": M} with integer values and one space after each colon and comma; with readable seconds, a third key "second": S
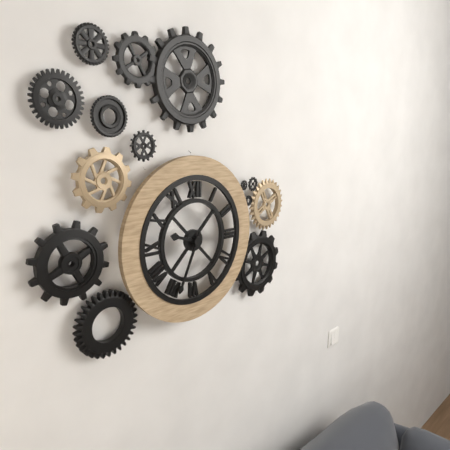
{"hour": 9, "minute": 34}
